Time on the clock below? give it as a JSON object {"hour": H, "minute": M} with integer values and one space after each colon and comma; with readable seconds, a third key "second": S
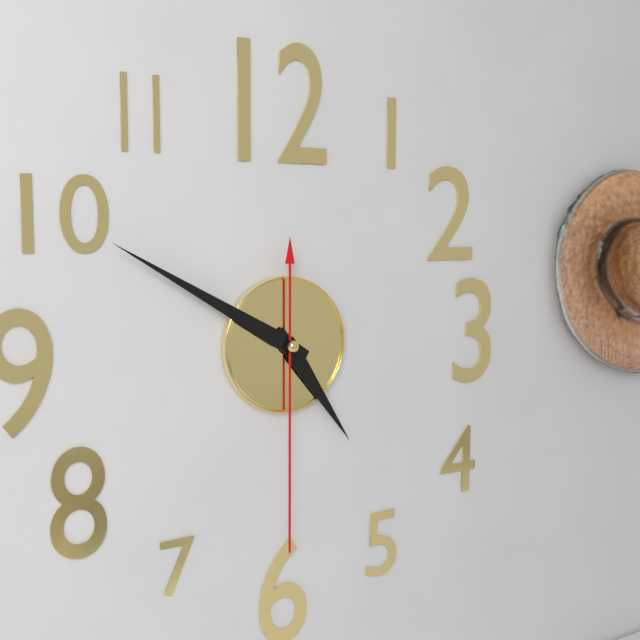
{"hour": 4, "minute": 50, "second": 30}
